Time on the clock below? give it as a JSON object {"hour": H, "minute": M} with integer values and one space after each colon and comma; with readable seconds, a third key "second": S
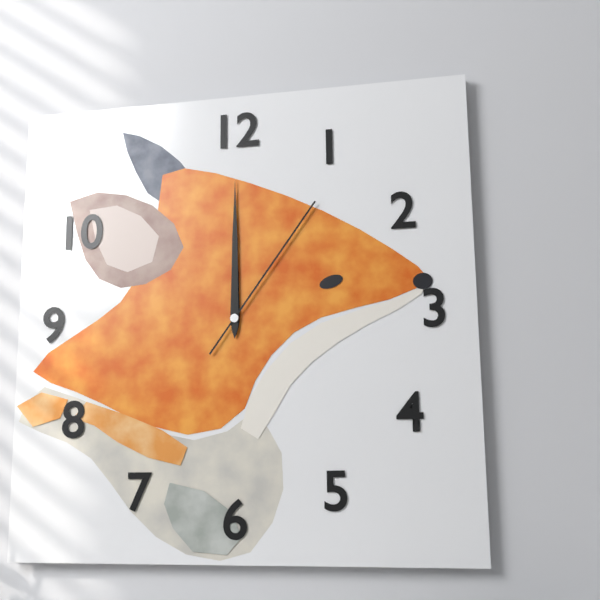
{"hour": 12, "minute": 0, "second": 6}
